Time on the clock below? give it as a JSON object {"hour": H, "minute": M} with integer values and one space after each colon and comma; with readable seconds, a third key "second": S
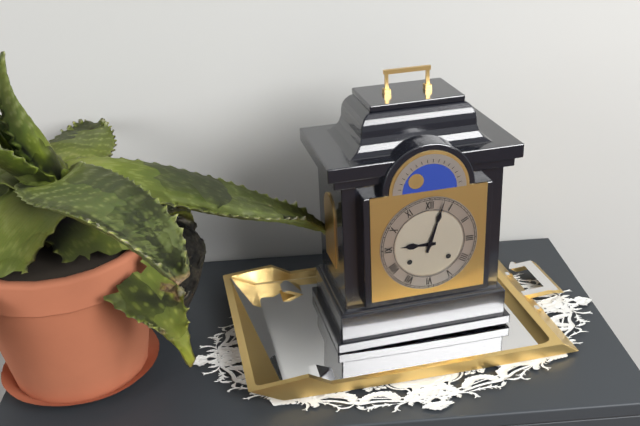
{"hour": 9, "minute": 3}
